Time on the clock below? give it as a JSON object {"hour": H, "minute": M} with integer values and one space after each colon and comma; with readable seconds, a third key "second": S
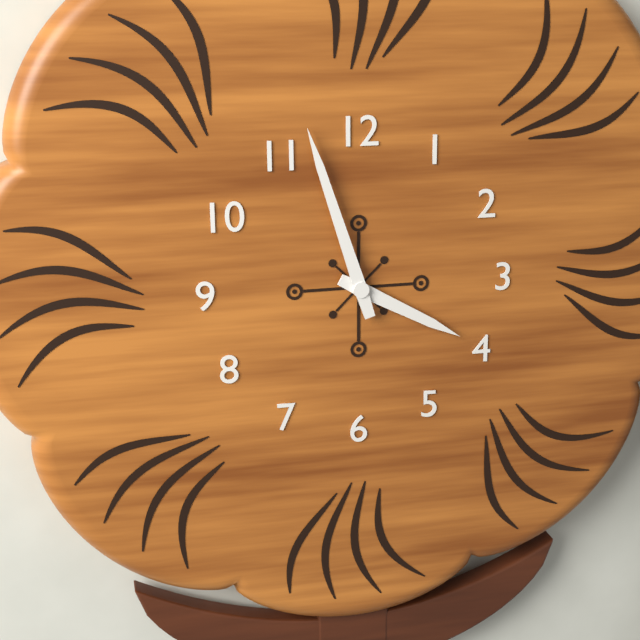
{"hour": 3, "minute": 57}
